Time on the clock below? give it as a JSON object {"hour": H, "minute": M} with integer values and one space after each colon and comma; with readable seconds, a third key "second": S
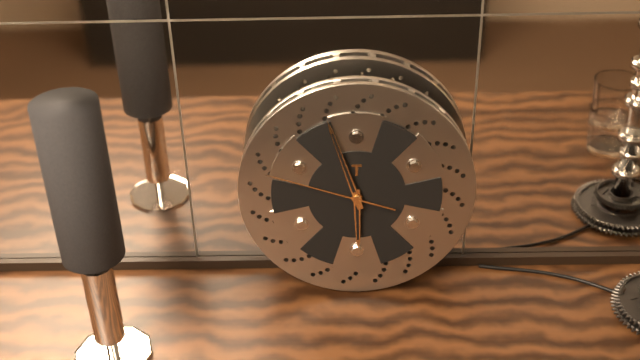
{"hour": 5, "minute": 57, "second": 48}
